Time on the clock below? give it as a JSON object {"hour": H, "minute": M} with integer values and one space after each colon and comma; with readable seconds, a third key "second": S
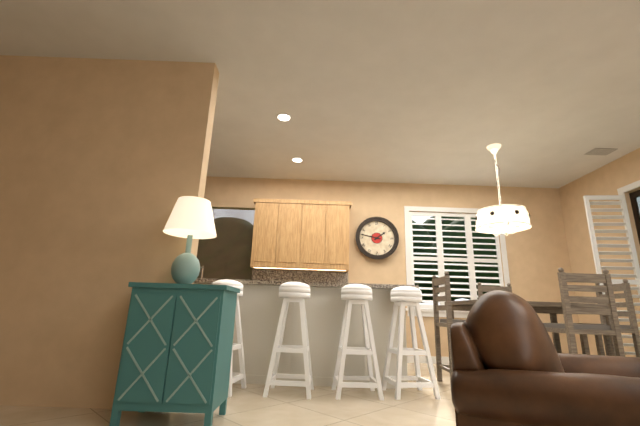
{"hour": 1, "minute": 47}
